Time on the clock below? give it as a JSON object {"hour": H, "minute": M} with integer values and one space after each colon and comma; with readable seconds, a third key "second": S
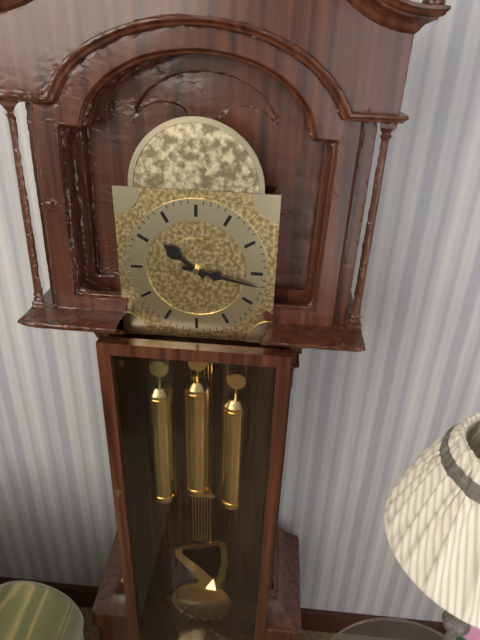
{"hour": 10, "minute": 17}
